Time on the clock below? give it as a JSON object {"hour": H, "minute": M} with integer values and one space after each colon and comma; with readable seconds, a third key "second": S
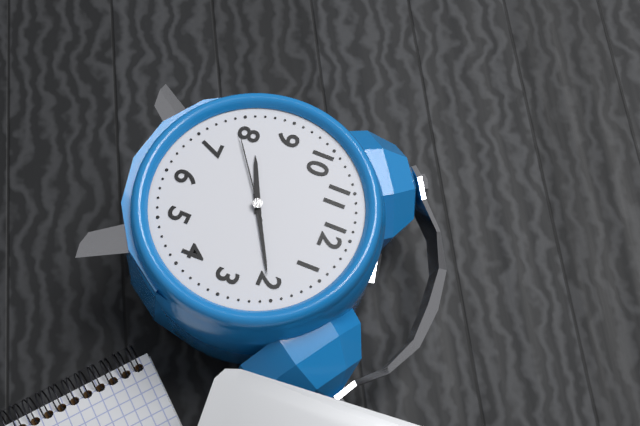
{"hour": 8, "minute": 10, "second": 39}
